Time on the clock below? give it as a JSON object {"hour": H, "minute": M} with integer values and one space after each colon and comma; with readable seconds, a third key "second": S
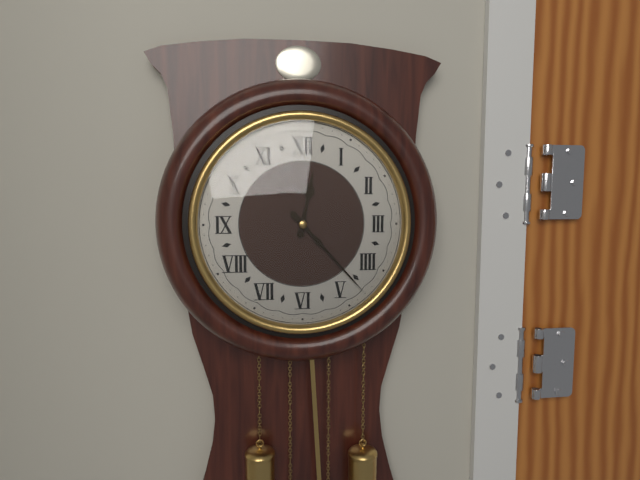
{"hour": 12, "minute": 23}
